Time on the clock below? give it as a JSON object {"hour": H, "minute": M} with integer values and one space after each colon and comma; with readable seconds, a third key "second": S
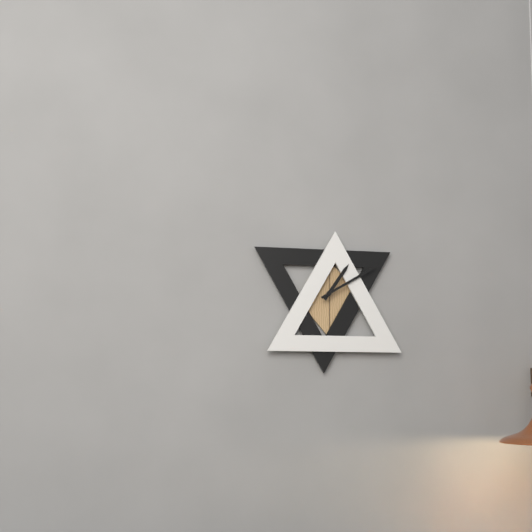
{"hour": 1, "minute": 10}
